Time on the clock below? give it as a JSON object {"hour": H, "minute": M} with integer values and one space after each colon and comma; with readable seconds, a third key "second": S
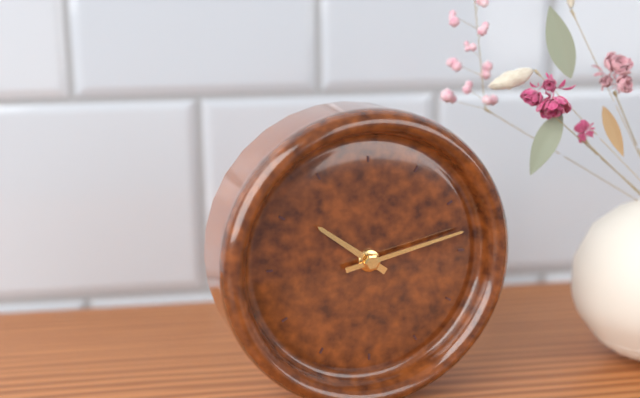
{"hour": 10, "minute": 13}
